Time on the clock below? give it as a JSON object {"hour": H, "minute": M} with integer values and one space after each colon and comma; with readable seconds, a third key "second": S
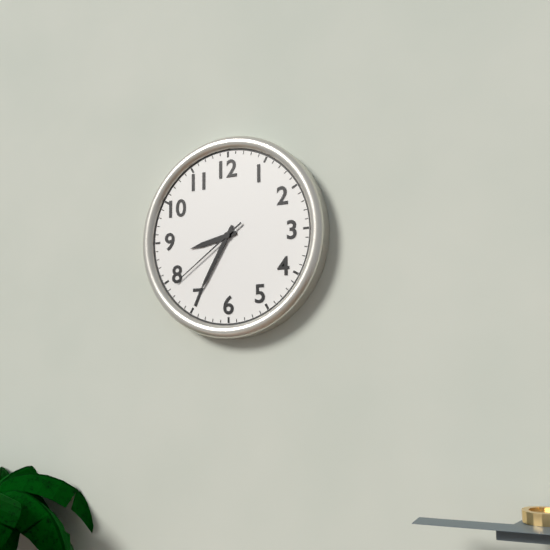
{"hour": 8, "minute": 35, "second": 39}
